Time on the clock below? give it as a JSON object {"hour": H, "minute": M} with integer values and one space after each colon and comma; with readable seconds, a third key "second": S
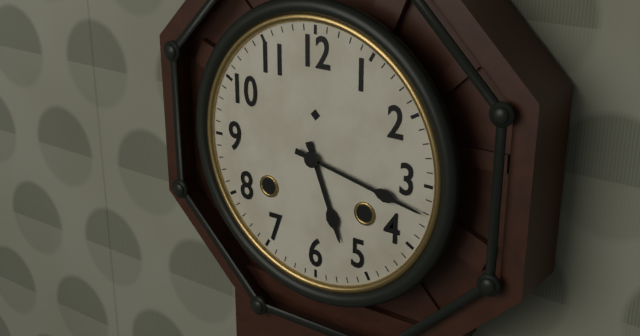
{"hour": 5, "minute": 17}
